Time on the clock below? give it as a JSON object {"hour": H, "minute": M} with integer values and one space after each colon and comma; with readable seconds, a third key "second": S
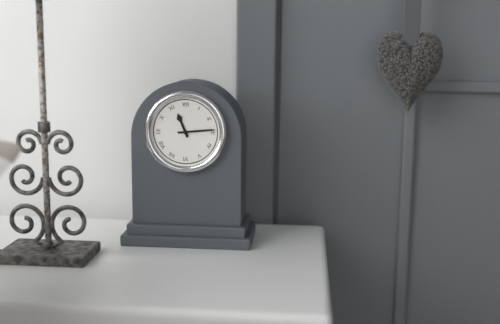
{"hour": 11, "minute": 14}
